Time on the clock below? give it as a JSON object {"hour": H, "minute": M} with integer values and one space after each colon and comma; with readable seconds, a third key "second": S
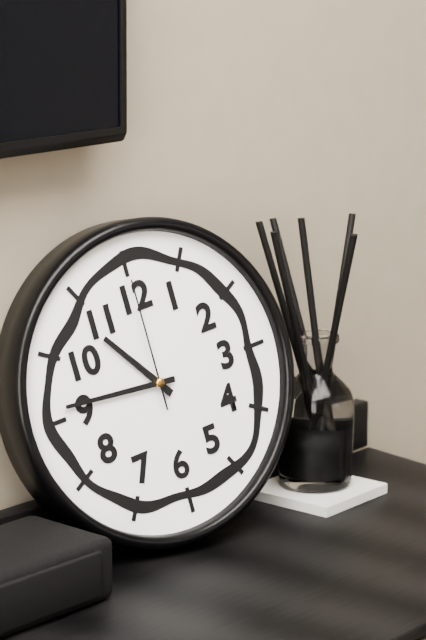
{"hour": 10, "minute": 46, "second": 0}
